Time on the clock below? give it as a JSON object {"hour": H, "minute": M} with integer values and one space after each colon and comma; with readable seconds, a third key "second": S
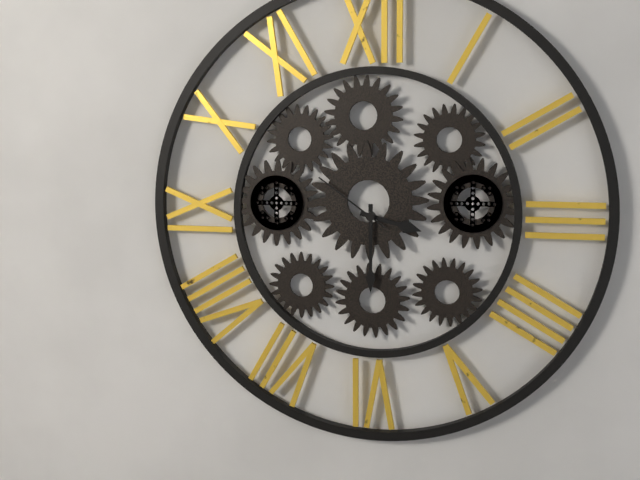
{"hour": 3, "minute": 30, "second": 51}
